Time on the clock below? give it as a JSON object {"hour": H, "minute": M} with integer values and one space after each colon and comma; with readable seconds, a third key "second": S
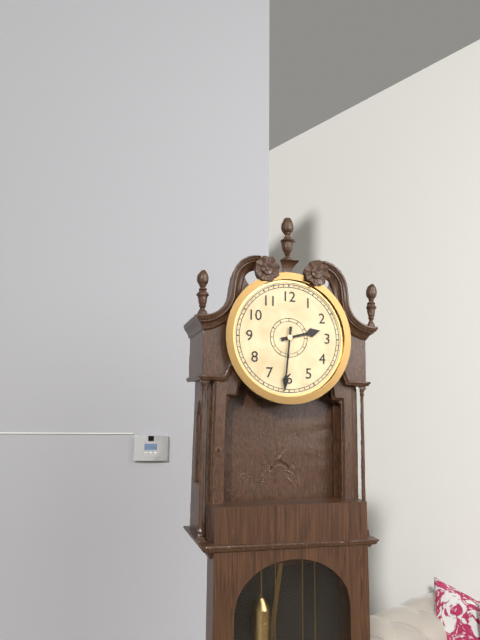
{"hour": 2, "minute": 31}
